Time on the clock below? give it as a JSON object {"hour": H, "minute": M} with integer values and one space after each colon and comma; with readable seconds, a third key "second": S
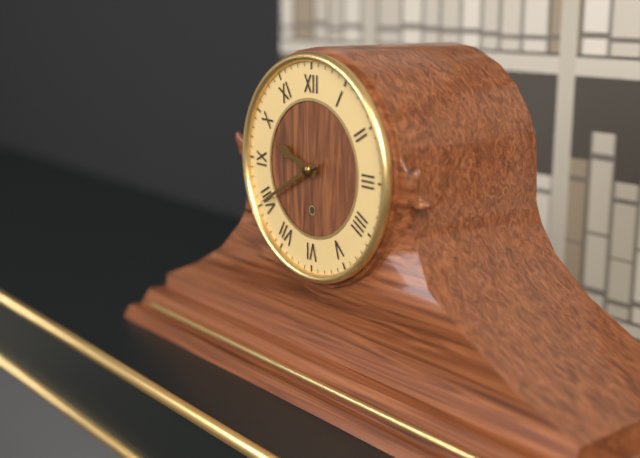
{"hour": 9, "minute": 40}
